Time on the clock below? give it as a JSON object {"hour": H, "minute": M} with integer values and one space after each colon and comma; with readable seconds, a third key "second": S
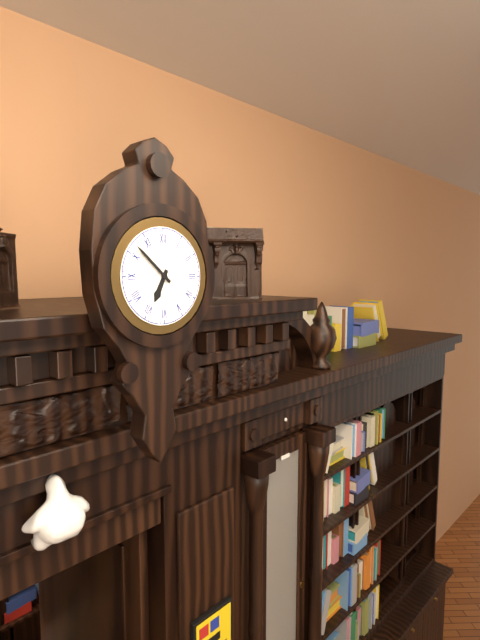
{"hour": 6, "minute": 52}
